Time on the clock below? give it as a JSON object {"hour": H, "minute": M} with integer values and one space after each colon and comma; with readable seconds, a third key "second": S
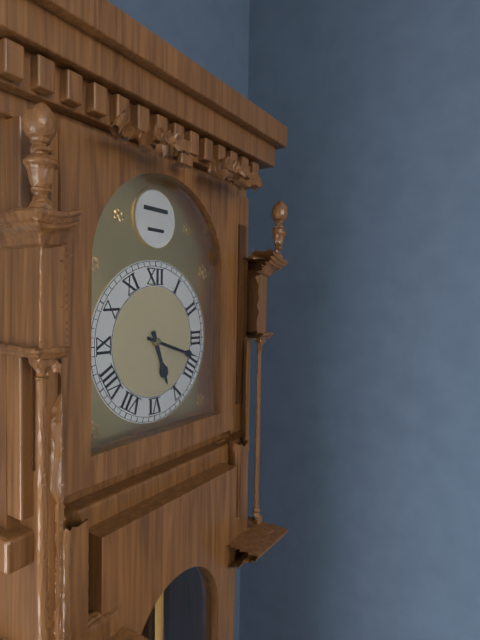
{"hour": 5, "minute": 18}
